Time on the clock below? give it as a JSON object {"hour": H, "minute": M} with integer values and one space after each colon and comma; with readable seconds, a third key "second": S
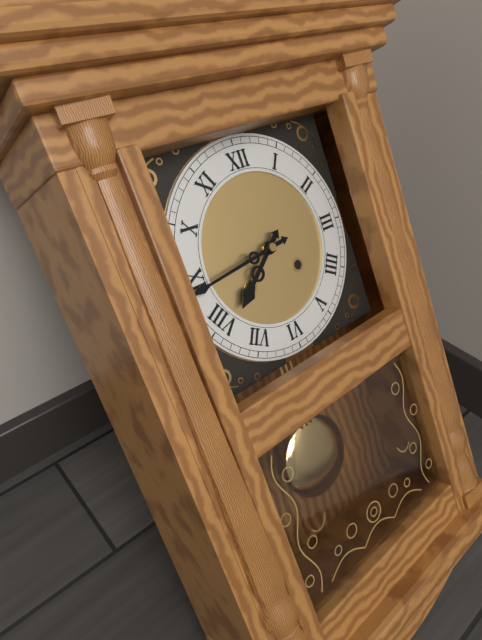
{"hour": 7, "minute": 44}
